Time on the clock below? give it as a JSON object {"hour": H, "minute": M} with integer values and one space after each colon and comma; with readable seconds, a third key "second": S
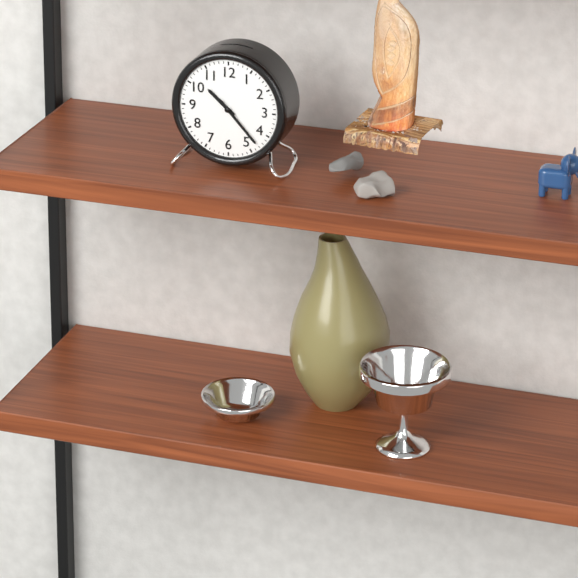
{"hour": 10, "minute": 23}
